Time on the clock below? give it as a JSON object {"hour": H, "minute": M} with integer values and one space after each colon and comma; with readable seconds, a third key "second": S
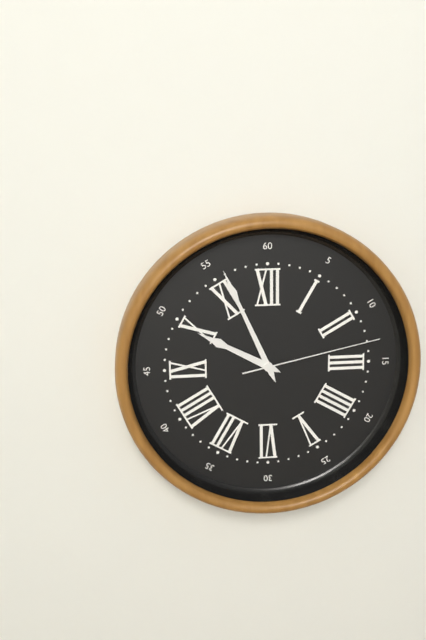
{"hour": 9, "minute": 56, "second": 13}
